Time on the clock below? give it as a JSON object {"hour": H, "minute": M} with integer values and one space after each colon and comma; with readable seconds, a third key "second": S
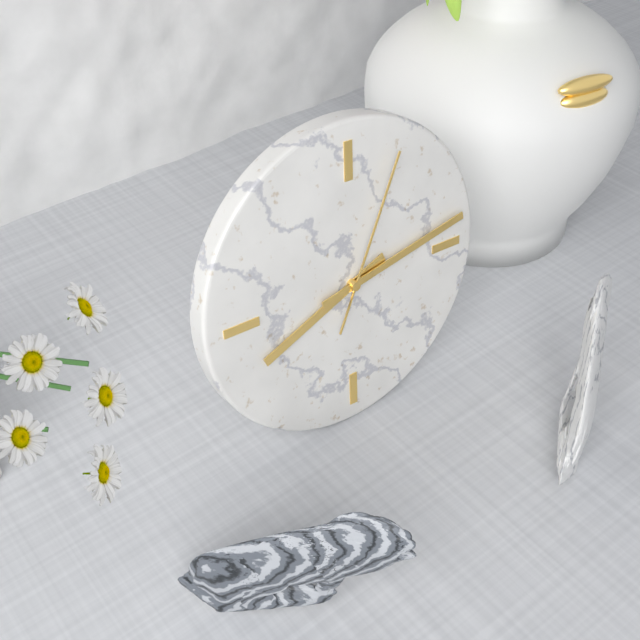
{"hour": 8, "minute": 13, "second": 4}
